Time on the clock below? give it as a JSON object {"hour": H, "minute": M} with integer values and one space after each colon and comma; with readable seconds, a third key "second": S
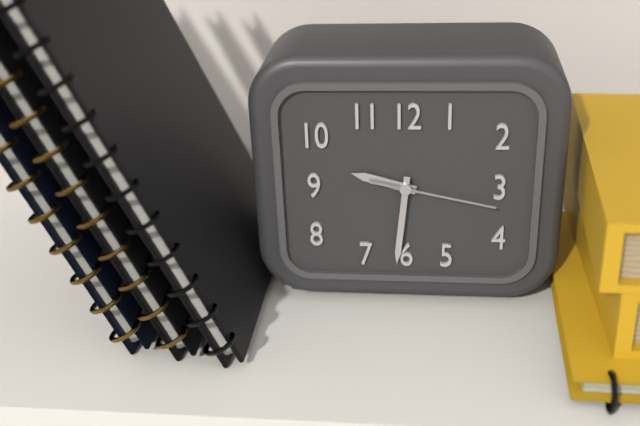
{"hour": 9, "minute": 31, "second": 17}
